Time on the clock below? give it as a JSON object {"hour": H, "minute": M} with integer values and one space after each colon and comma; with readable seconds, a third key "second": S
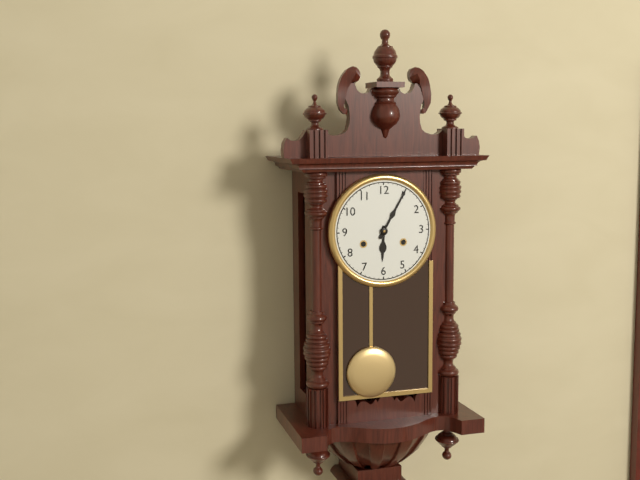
{"hour": 6, "minute": 5}
